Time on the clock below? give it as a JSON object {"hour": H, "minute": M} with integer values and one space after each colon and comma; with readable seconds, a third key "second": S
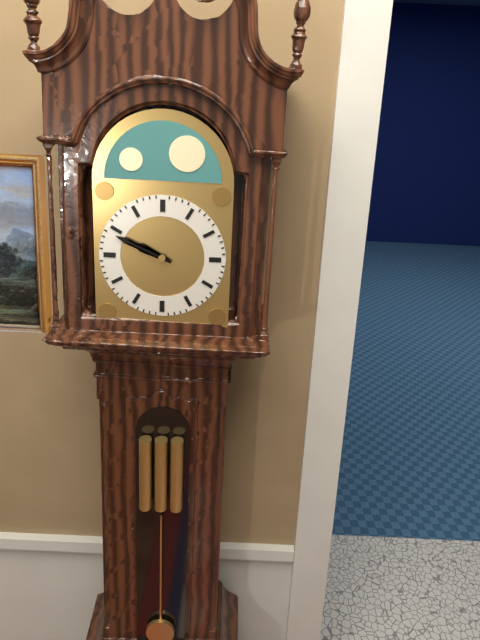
{"hour": 9, "minute": 49}
